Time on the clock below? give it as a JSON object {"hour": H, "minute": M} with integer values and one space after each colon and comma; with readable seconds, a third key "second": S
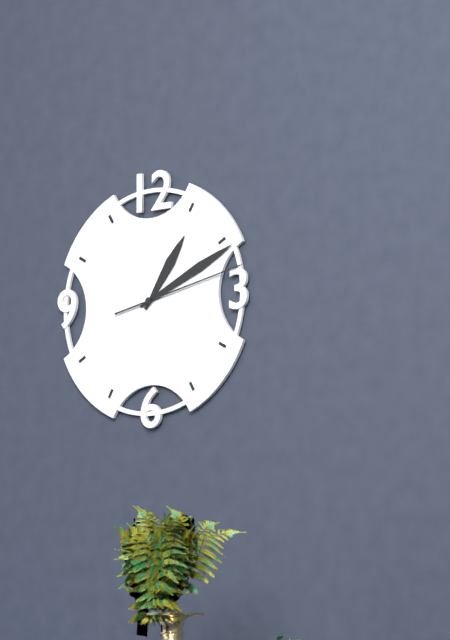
{"hour": 1, "minute": 11, "second": 13}
